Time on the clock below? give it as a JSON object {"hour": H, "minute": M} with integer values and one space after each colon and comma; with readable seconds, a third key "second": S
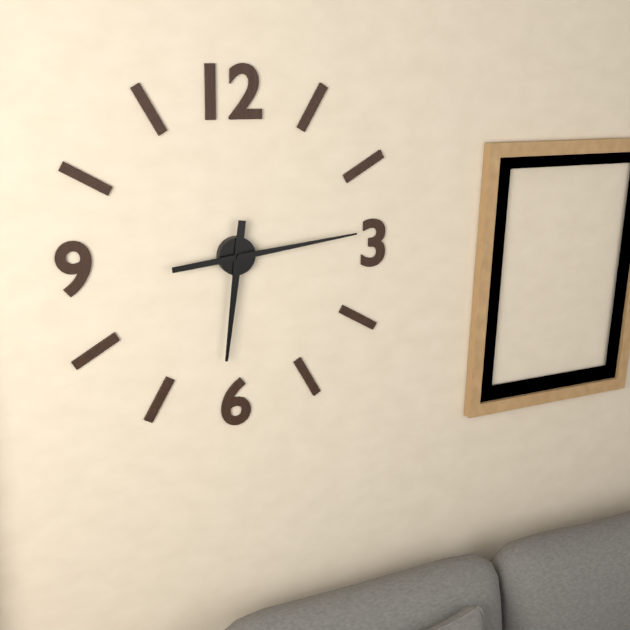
{"hour": 6, "minute": 14}
